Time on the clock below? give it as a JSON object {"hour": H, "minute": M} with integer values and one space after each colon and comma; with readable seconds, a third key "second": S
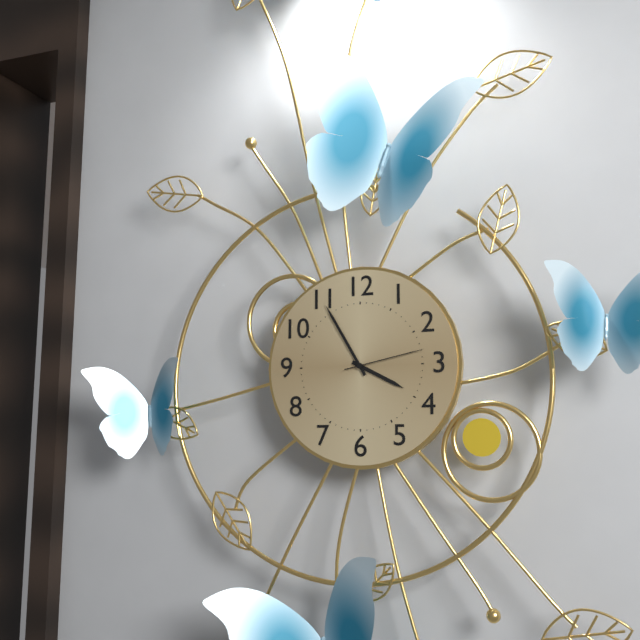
{"hour": 3, "minute": 55, "second": 13}
